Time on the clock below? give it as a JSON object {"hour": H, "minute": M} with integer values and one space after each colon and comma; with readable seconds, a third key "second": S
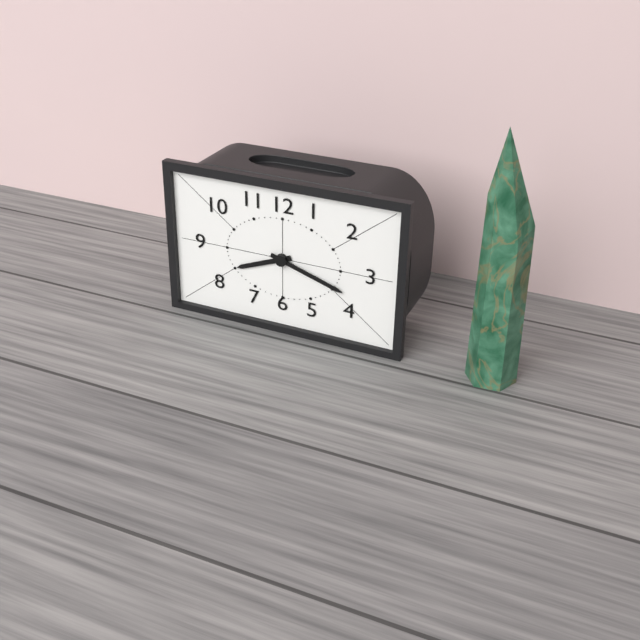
{"hour": 8, "minute": 18}
